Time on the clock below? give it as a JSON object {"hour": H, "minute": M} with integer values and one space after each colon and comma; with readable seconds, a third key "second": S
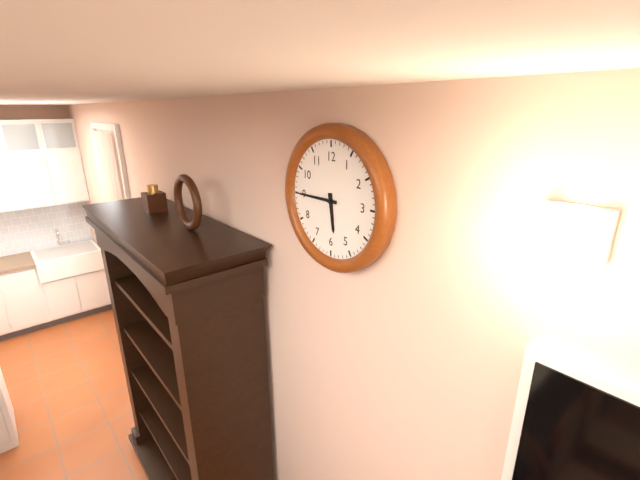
{"hour": 5, "minute": 45}
